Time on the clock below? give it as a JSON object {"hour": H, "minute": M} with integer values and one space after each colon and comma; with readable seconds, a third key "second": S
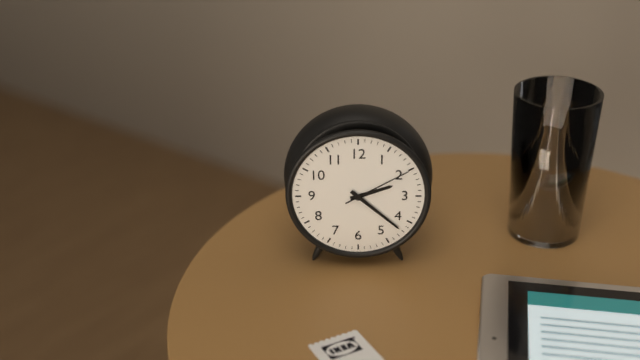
{"hour": 2, "minute": 22, "second": 10}
